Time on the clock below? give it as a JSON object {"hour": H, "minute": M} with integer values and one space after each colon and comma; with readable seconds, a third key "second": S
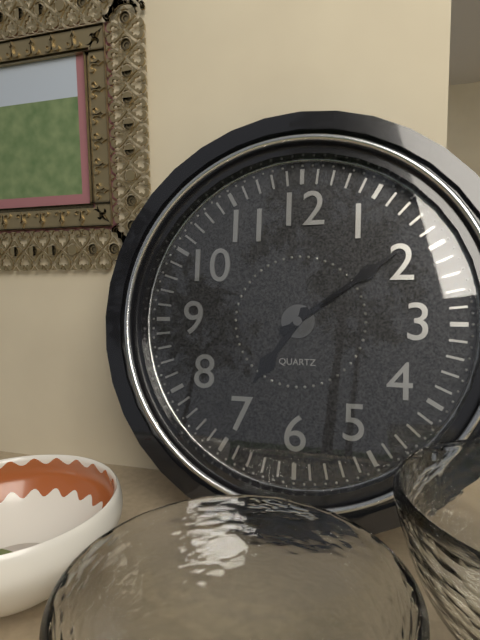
{"hour": 7, "minute": 9}
